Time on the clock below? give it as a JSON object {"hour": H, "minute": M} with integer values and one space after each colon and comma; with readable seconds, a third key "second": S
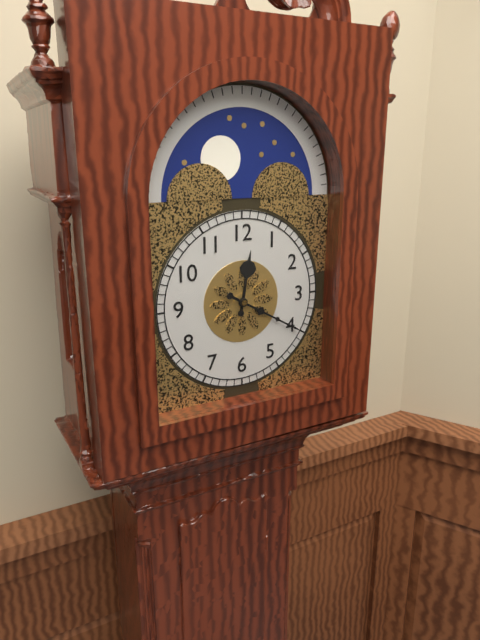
{"hour": 12, "minute": 20}
